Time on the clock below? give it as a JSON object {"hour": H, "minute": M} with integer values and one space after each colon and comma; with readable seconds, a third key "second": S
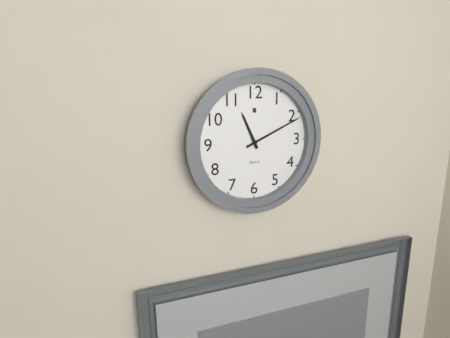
{"hour": 11, "minute": 11}
